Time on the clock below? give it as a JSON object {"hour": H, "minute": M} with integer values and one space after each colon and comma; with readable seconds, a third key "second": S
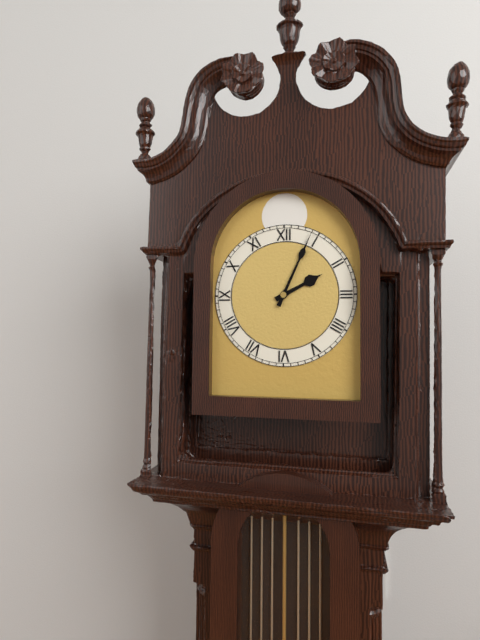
{"hour": 2, "minute": 4}
